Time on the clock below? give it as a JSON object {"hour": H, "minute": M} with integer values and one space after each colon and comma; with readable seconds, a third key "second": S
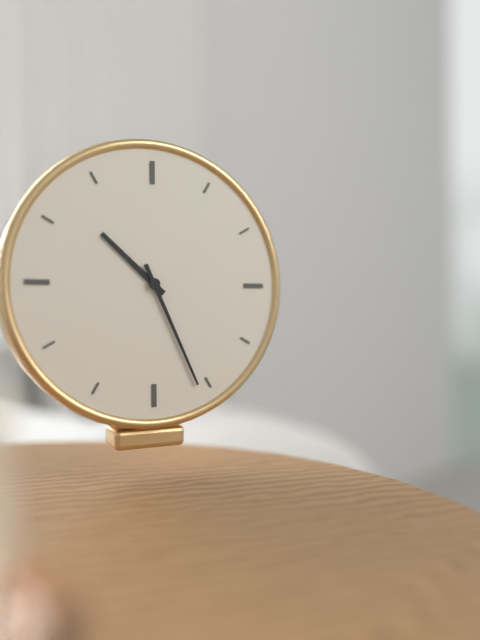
{"hour": 10, "minute": 26}
